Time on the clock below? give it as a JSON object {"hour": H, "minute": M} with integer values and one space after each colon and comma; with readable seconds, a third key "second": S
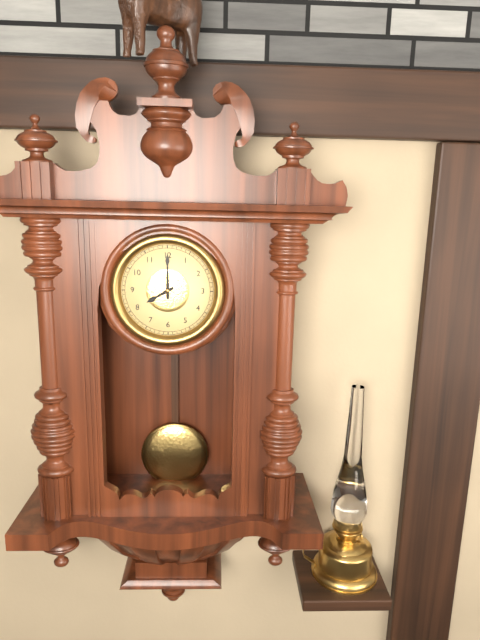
{"hour": 8, "minute": 0}
